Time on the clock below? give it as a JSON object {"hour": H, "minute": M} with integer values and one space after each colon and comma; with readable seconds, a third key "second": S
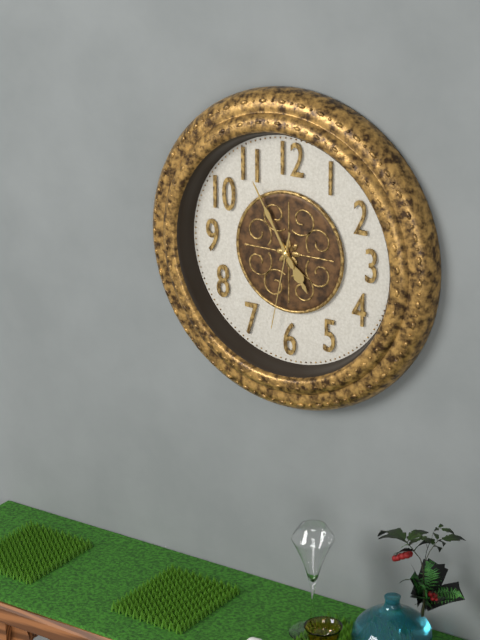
{"hour": 4, "minute": 55, "second": 32}
